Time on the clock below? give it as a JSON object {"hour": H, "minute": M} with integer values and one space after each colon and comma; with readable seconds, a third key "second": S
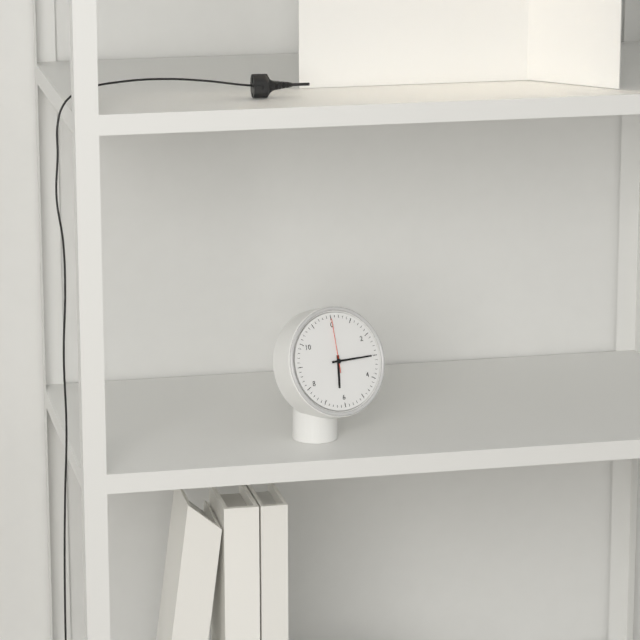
{"hour": 6, "minute": 15, "second": 0}
